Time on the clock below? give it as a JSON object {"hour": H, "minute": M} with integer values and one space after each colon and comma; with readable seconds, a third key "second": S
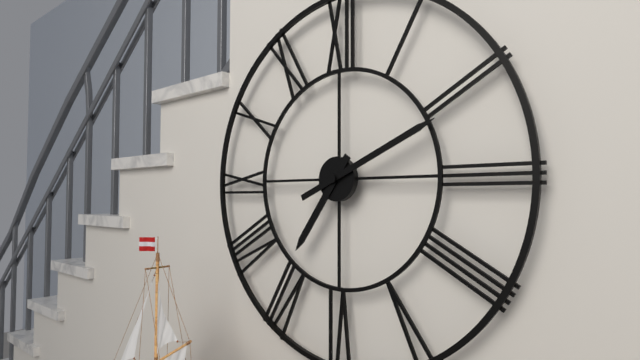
{"hour": 7, "minute": 11}
